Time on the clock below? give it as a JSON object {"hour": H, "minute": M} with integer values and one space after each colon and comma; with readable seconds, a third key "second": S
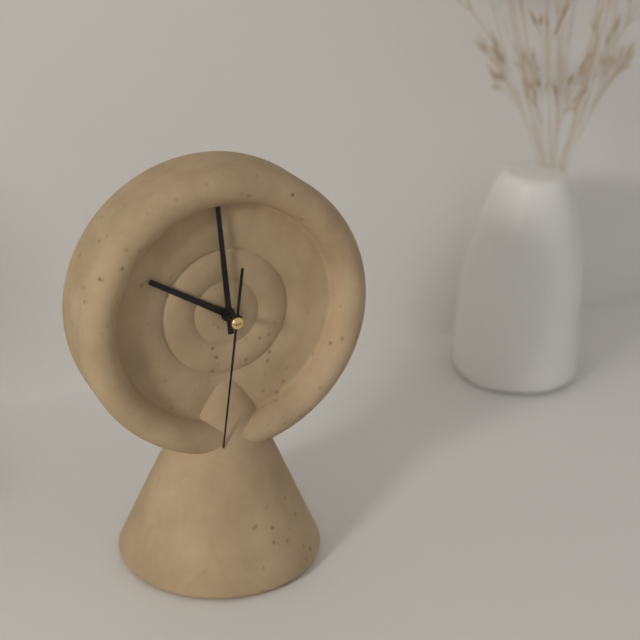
{"hour": 9, "minute": 59, "second": 31}
